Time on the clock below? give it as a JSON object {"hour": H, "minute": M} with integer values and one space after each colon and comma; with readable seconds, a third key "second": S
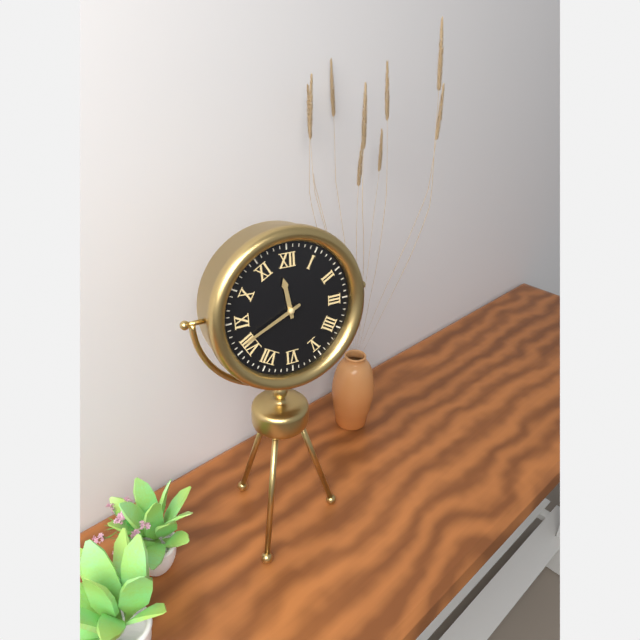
{"hour": 11, "minute": 41}
